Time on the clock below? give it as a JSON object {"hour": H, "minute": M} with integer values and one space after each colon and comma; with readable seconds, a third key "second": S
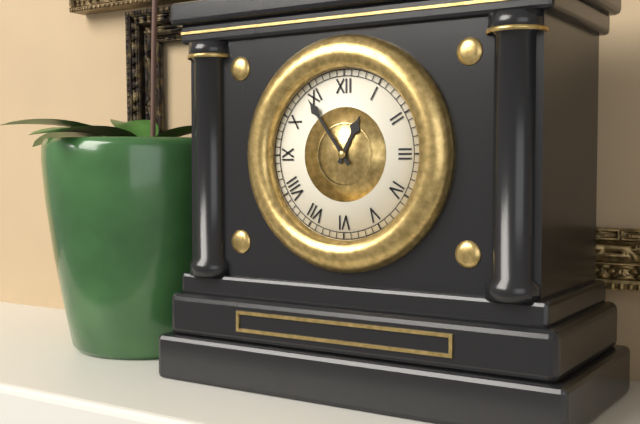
{"hour": 12, "minute": 54}
